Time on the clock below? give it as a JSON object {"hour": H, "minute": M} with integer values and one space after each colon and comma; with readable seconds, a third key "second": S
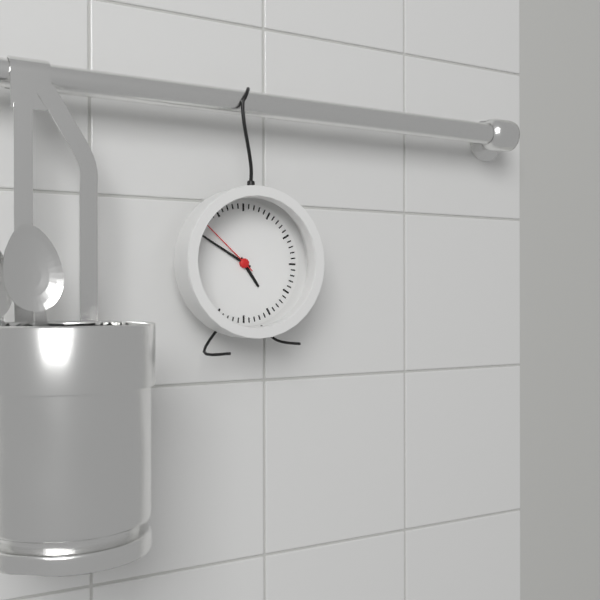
{"hour": 4, "minute": 50, "second": 52}
